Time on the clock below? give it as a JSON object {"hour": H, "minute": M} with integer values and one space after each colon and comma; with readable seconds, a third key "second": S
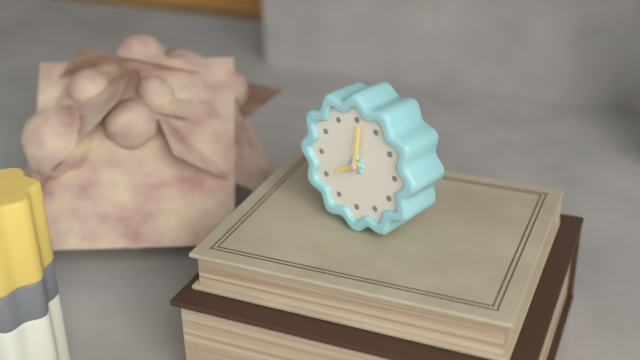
{"hour": 8, "minute": 1}
